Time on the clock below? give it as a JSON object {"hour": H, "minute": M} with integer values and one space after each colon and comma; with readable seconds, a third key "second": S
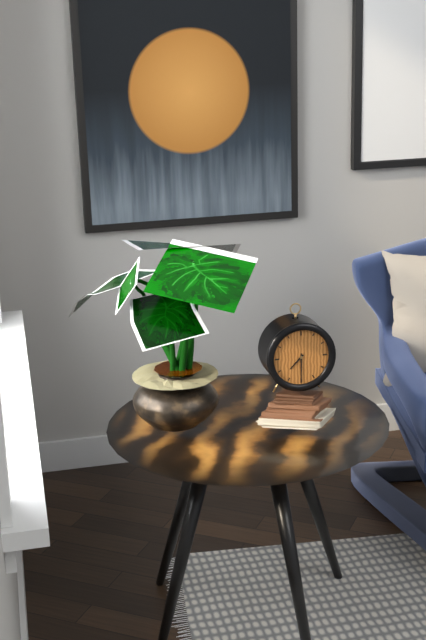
{"hour": 7, "minute": 30}
